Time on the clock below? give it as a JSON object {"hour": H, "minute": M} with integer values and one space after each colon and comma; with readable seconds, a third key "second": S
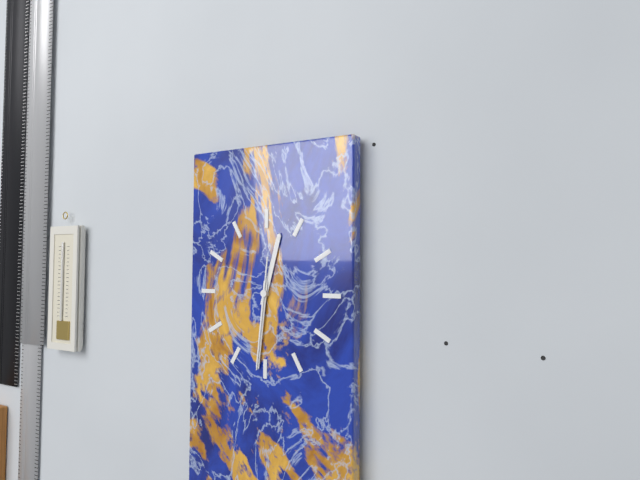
{"hour": 12, "minute": 31, "second": 31}
